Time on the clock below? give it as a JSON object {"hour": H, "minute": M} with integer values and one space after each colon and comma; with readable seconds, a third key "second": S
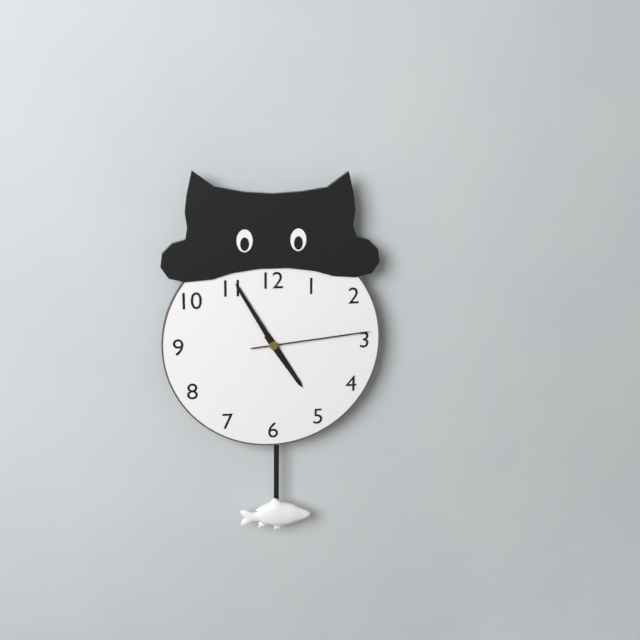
{"hour": 4, "minute": 55, "second": 14}
